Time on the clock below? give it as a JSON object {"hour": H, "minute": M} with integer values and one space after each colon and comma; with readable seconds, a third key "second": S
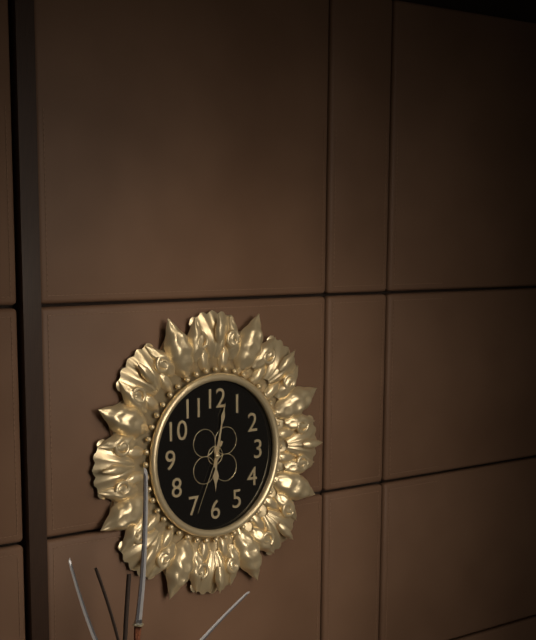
{"hour": 6, "minute": 2, "second": 34}
